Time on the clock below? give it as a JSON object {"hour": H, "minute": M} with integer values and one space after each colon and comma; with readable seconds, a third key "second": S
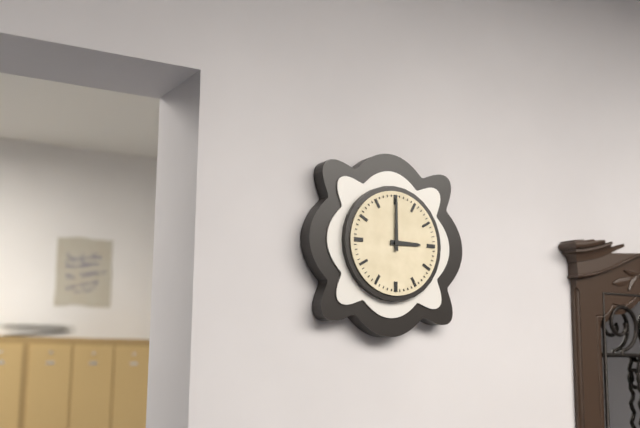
{"hour": 3, "minute": 0}
